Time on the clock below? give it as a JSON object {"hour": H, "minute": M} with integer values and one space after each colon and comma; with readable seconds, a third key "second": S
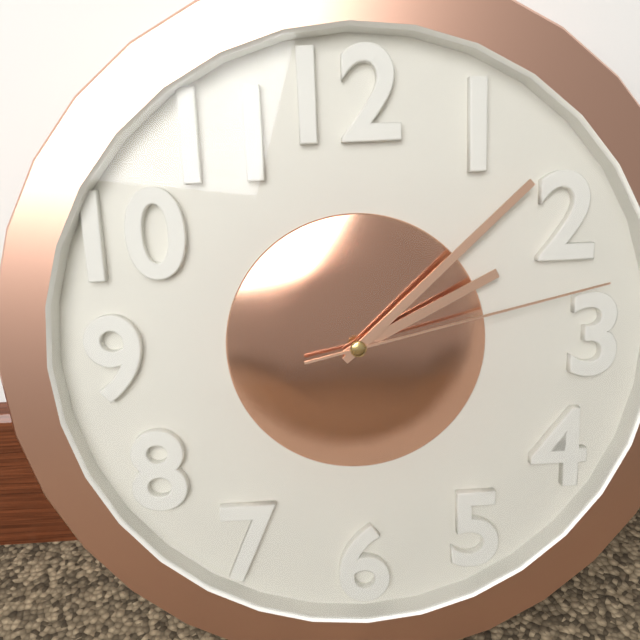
{"hour": 2, "minute": 8, "second": 13}
